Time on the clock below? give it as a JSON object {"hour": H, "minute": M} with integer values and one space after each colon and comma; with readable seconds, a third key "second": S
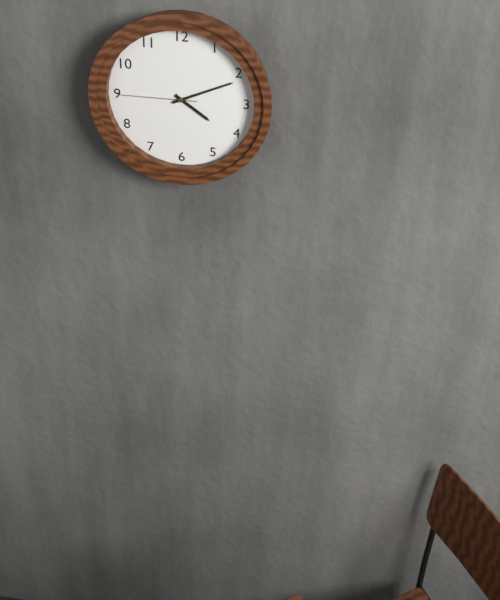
{"hour": 4, "minute": 11, "second": 45}
